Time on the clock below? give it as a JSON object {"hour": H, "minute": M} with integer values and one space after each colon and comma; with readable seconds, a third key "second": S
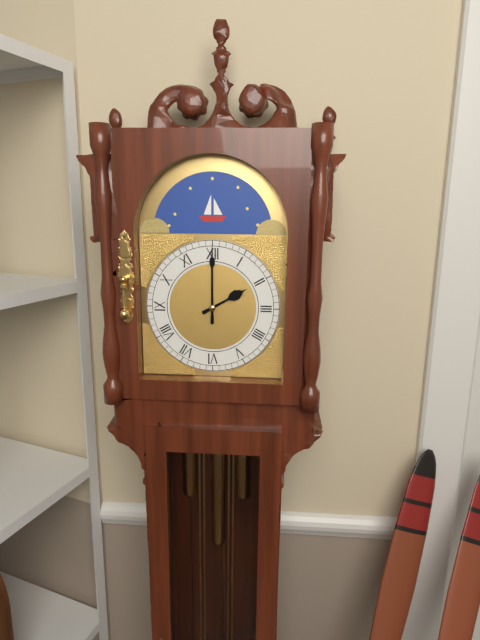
{"hour": 2, "minute": 0}
